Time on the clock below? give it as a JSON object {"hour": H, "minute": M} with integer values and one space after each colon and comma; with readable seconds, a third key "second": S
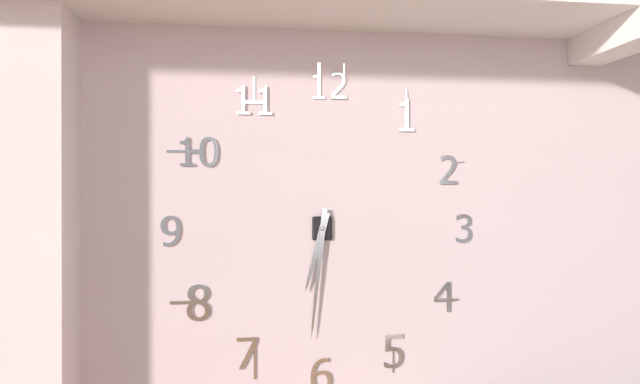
{"hour": 6, "minute": 31}
